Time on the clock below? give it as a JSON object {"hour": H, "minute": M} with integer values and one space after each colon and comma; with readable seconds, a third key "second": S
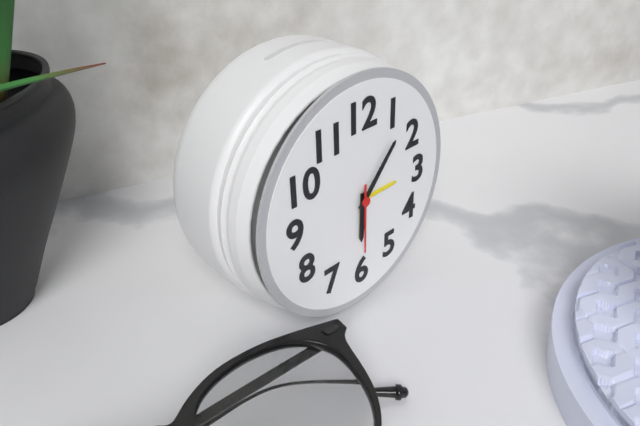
{"hour": 6, "minute": 7, "second": 30}
